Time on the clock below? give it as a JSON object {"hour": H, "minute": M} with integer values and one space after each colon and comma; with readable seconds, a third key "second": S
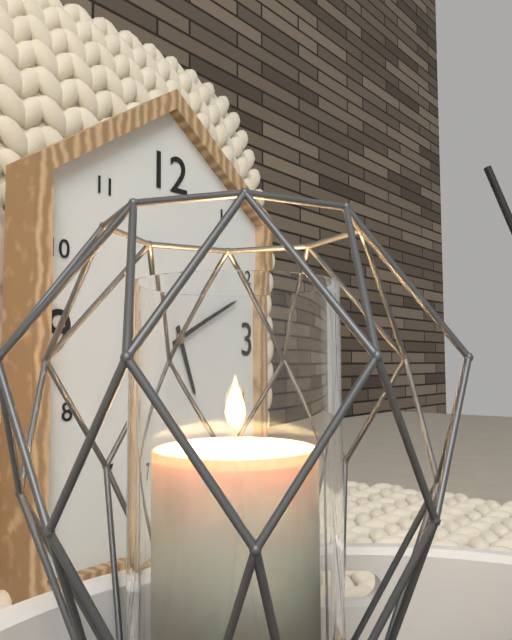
{"hour": 5, "minute": 11}
